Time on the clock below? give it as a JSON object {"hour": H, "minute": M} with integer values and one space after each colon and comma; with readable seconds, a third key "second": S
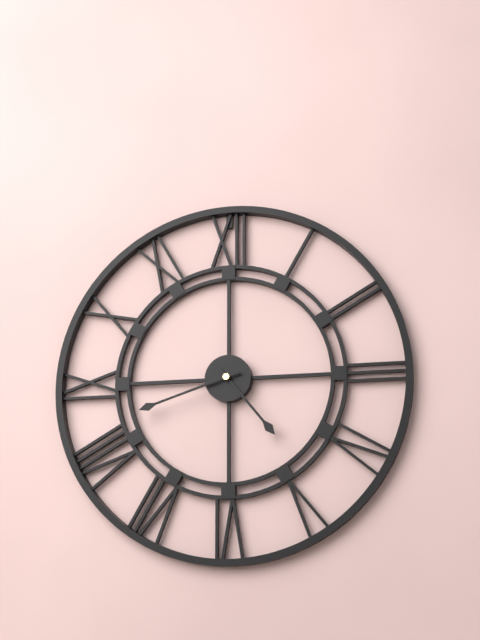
{"hour": 4, "minute": 42}
